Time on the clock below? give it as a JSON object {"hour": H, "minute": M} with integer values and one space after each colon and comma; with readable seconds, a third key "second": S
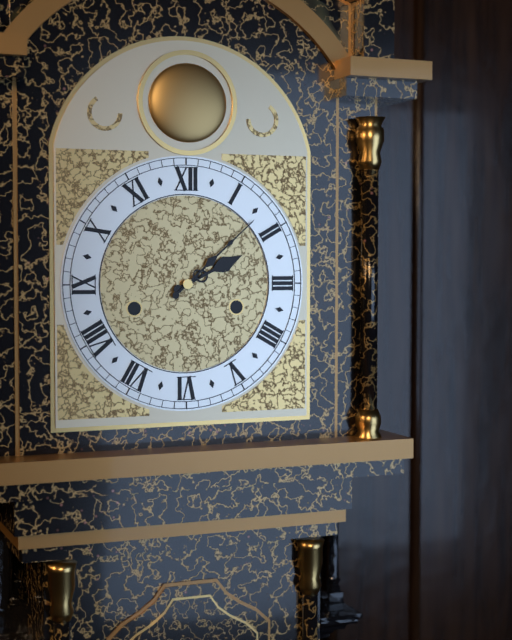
{"hour": 2, "minute": 8}
